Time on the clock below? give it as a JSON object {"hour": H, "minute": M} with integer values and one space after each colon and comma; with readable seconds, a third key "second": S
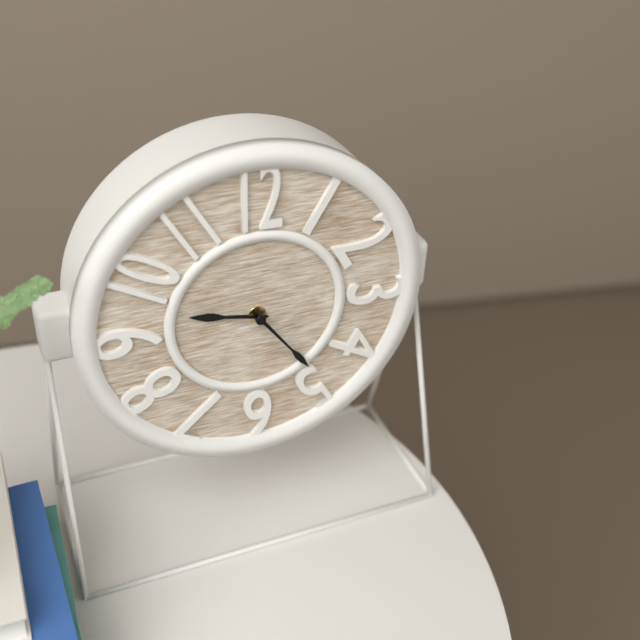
{"hour": 9, "minute": 24}
